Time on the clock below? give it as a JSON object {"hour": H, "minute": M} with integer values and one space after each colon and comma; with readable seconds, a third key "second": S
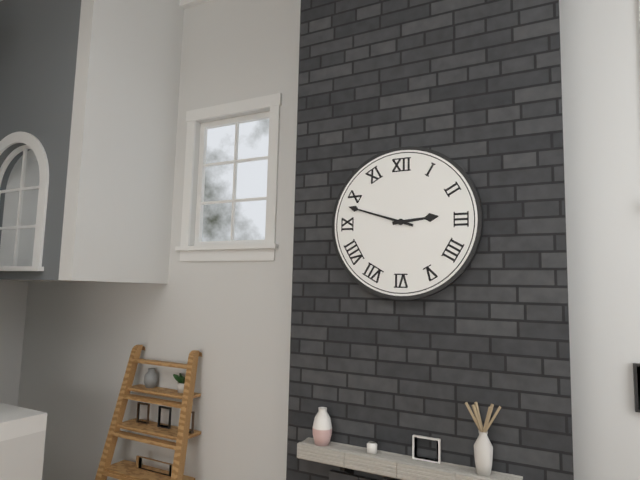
{"hour": 2, "minute": 48}
